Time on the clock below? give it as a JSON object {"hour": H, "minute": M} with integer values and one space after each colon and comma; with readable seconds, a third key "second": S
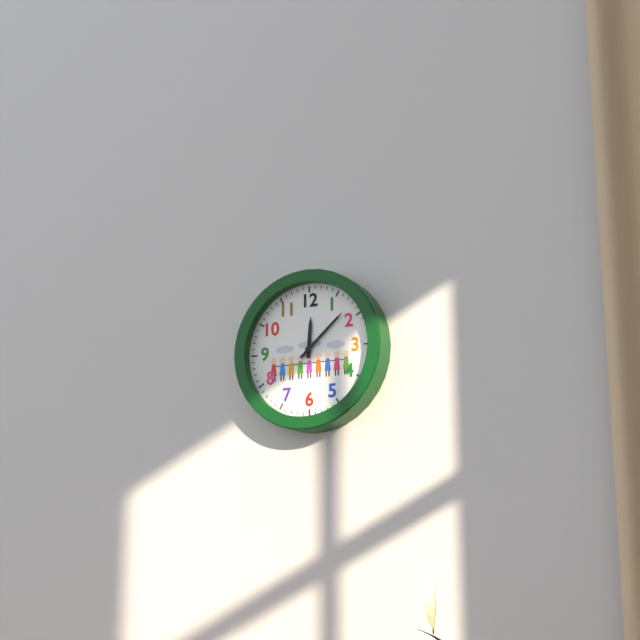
{"hour": 12, "minute": 8}
